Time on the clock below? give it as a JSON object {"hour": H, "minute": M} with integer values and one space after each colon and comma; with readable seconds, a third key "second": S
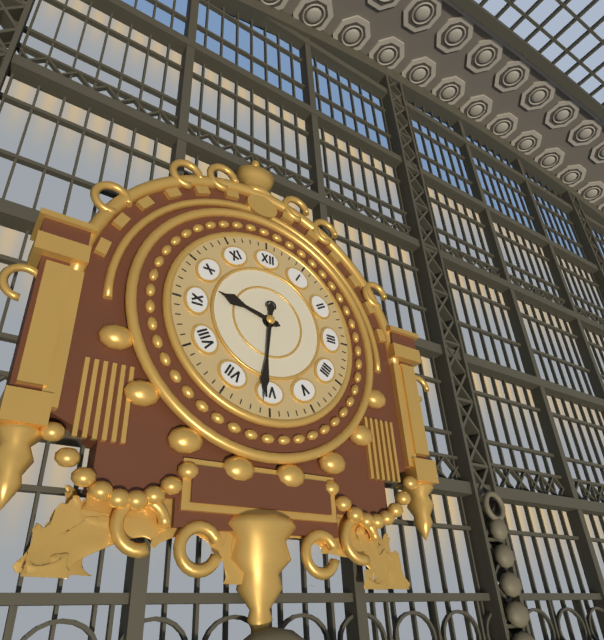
{"hour": 9, "minute": 31}
